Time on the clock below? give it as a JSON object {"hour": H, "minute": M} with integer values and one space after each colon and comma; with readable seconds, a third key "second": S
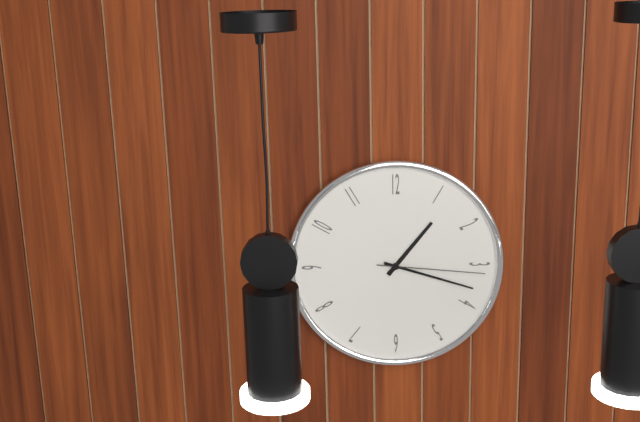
{"hour": 1, "minute": 18, "second": 16}
